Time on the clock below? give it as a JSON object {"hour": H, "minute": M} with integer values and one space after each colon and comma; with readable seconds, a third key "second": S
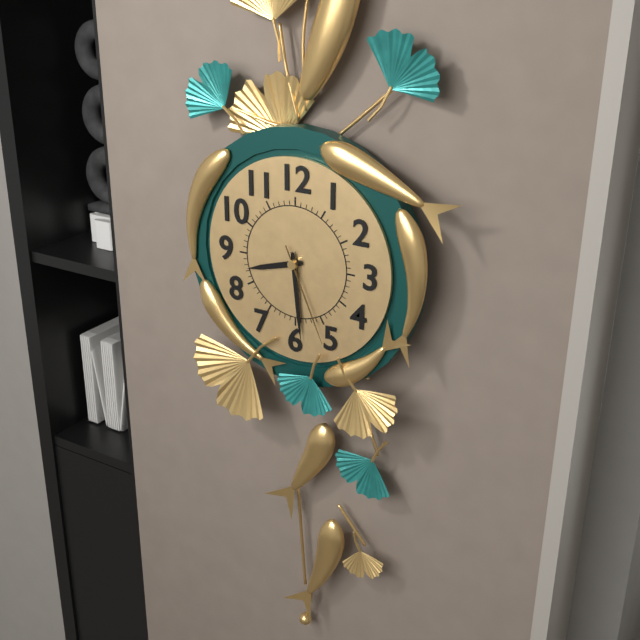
{"hour": 8, "minute": 29, "second": 26}
